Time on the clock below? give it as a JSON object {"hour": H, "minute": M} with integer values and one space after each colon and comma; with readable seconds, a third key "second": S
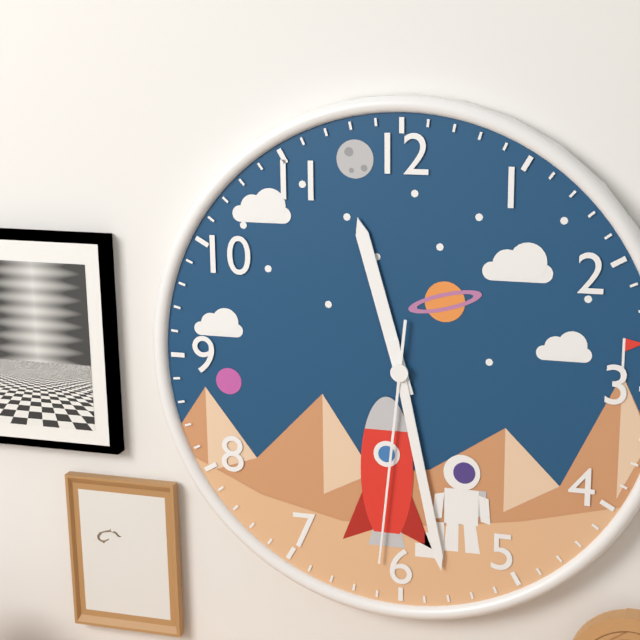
{"hour": 11, "minute": 28, "second": 31}
